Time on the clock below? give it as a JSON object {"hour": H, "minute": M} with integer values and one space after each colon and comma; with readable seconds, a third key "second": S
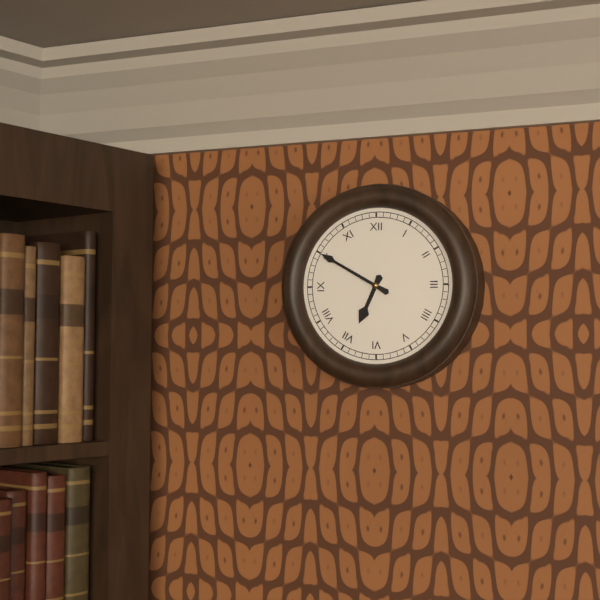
{"hour": 6, "minute": 50}
